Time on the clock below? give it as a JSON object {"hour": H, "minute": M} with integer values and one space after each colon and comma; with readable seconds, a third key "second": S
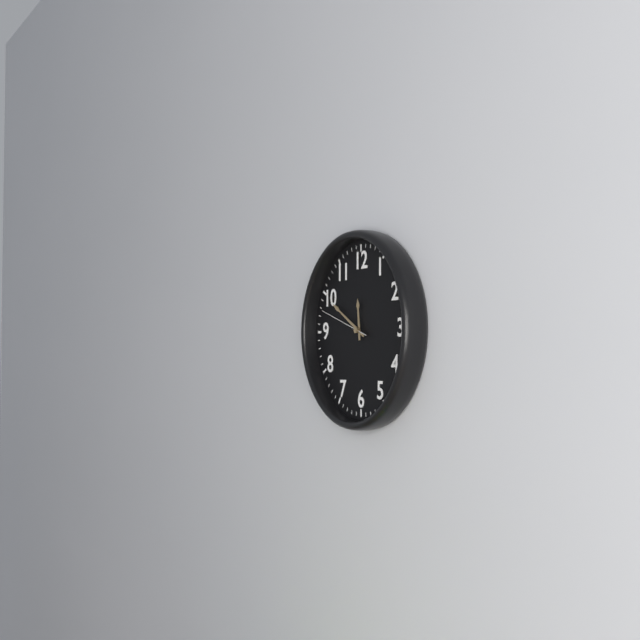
{"hour": 11, "minute": 50, "second": 48}
